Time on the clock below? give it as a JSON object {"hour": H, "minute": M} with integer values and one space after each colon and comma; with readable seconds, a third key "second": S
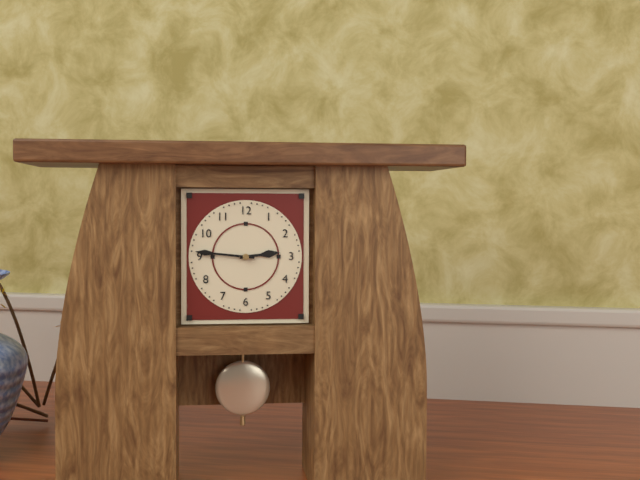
{"hour": 2, "minute": 46}
